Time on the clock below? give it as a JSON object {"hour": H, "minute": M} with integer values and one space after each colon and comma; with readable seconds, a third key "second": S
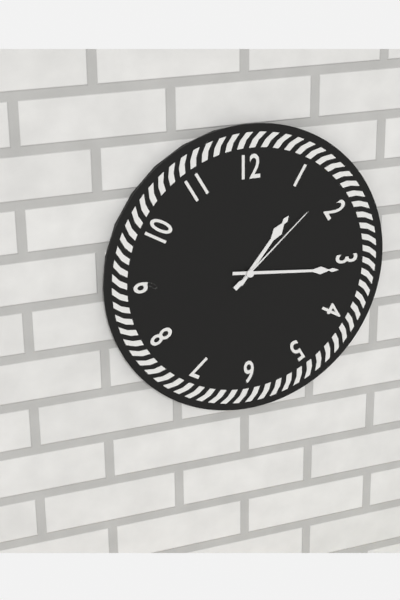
{"hour": 1, "minute": 16, "second": 8}
